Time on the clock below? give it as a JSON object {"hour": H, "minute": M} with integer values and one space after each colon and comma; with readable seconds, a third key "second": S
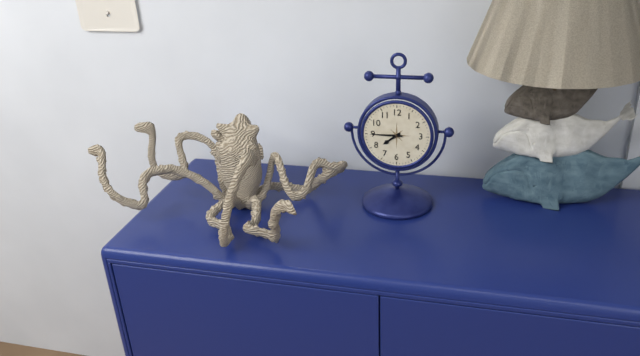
{"hour": 7, "minute": 45}
